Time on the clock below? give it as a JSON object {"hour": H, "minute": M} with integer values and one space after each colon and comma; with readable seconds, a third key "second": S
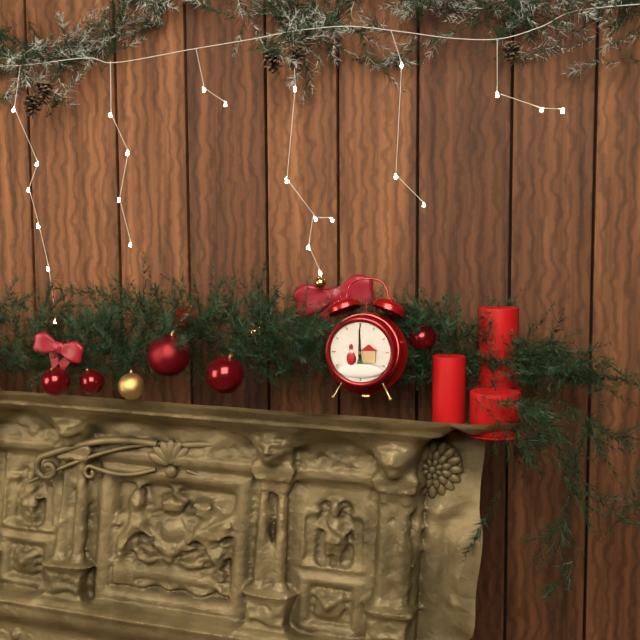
{"hour": 12, "minute": 0}
